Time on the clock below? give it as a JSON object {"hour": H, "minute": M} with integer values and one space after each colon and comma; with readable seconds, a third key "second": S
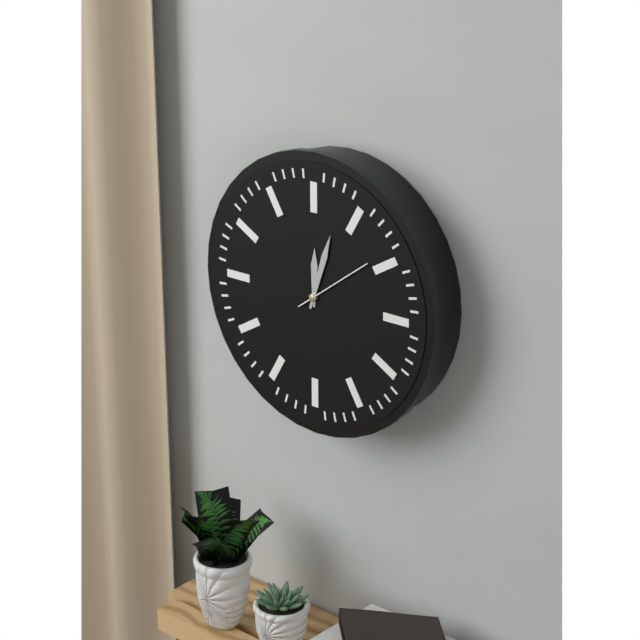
{"hour": 12, "minute": 3}
